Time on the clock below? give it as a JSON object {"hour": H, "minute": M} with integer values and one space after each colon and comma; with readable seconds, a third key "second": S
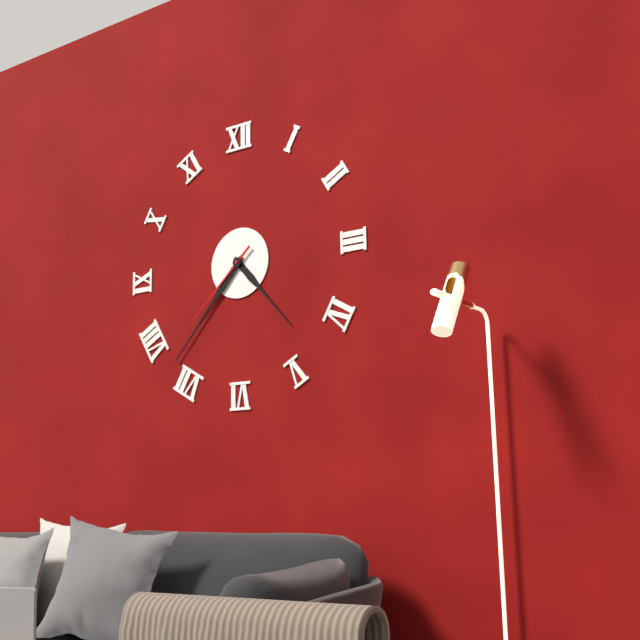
{"hour": 4, "minute": 37, "second": 38}
